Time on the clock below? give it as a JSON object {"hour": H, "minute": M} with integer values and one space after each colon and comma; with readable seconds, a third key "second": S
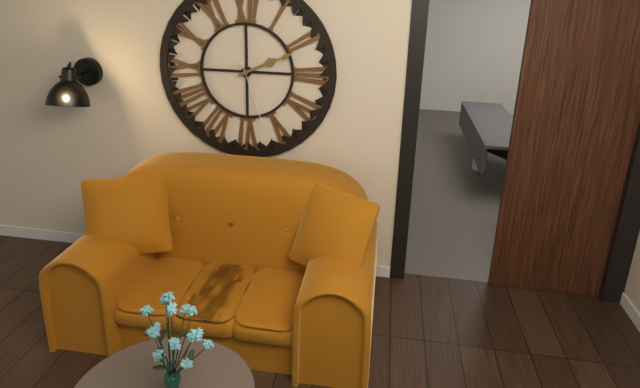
{"hour": 2, "minute": 11, "second": 27}
